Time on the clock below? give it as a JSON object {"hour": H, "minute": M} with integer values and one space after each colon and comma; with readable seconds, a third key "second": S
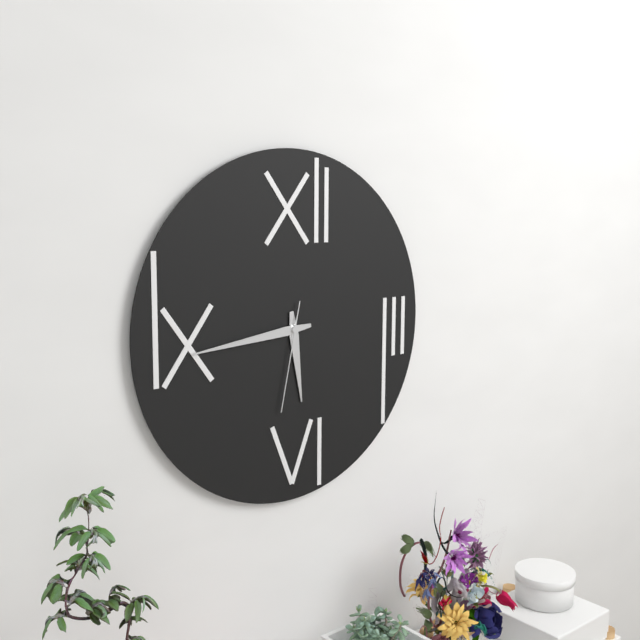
{"hour": 5, "minute": 44, "second": 32}
